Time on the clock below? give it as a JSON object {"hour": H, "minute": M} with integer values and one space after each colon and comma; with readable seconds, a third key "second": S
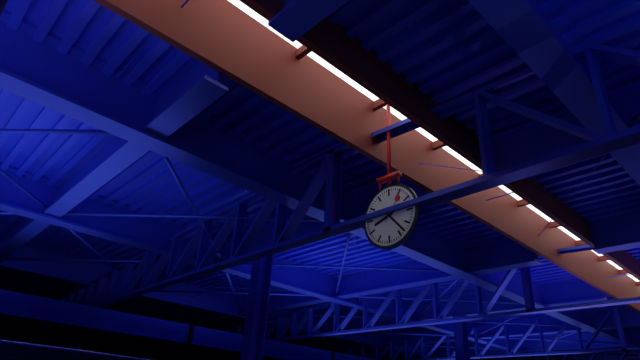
{"hour": 8, "minute": 23}
